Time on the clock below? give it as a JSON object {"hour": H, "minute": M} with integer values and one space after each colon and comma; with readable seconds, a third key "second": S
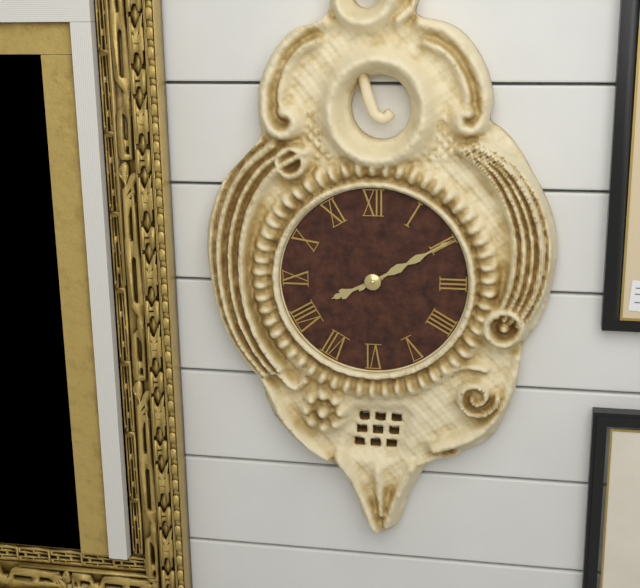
{"hour": 8, "minute": 10}
